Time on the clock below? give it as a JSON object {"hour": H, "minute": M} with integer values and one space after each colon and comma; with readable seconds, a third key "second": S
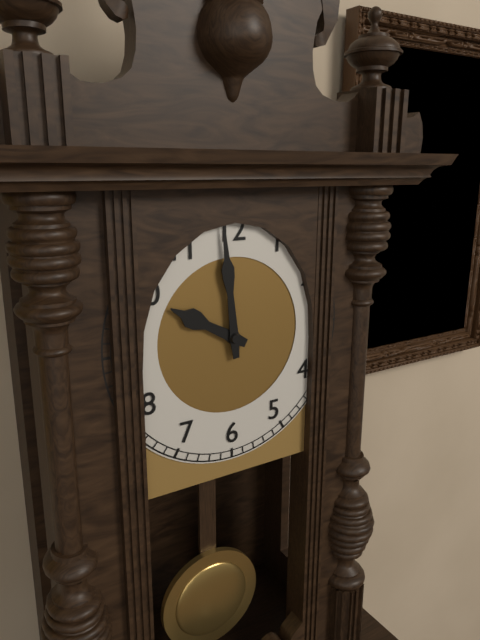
{"hour": 9, "minute": 59}
